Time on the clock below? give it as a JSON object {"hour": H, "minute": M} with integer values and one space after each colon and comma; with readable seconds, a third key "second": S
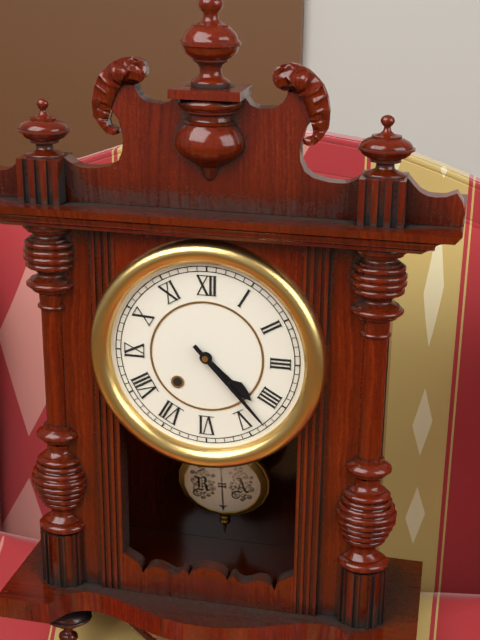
{"hour": 4, "minute": 23}
